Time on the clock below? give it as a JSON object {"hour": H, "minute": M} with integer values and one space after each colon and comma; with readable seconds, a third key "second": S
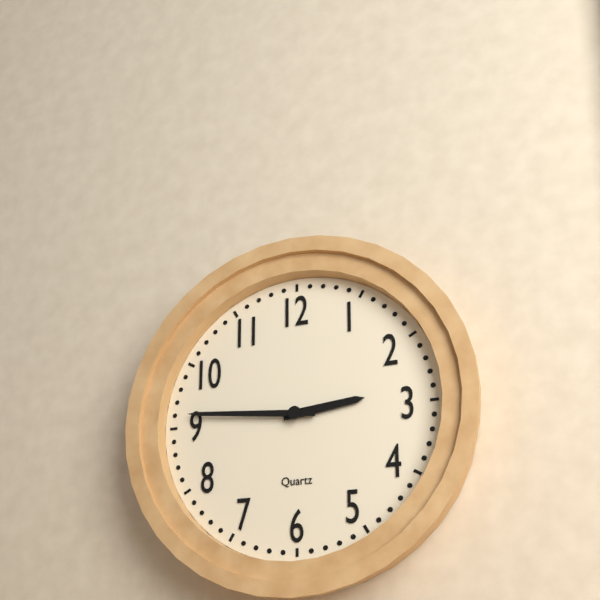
{"hour": 2, "minute": 46}
